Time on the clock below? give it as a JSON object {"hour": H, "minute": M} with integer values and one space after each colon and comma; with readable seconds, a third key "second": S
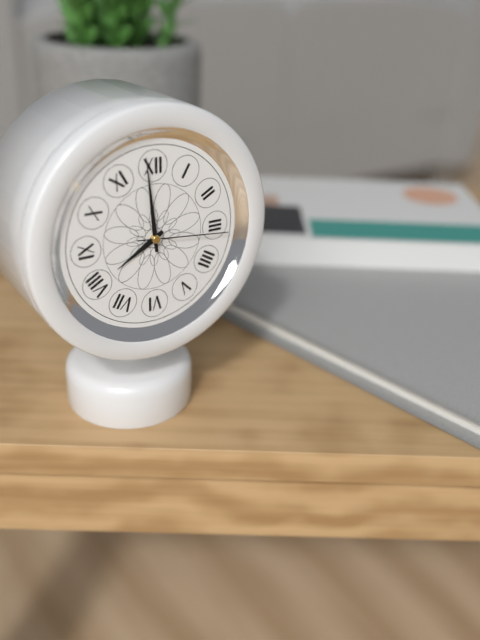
{"hour": 7, "minute": 59, "second": 16}
